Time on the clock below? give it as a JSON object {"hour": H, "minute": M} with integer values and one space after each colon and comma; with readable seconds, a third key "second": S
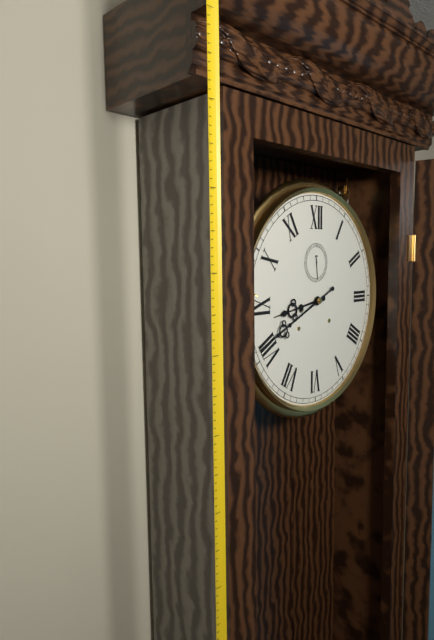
{"hour": 8, "minute": 41}
